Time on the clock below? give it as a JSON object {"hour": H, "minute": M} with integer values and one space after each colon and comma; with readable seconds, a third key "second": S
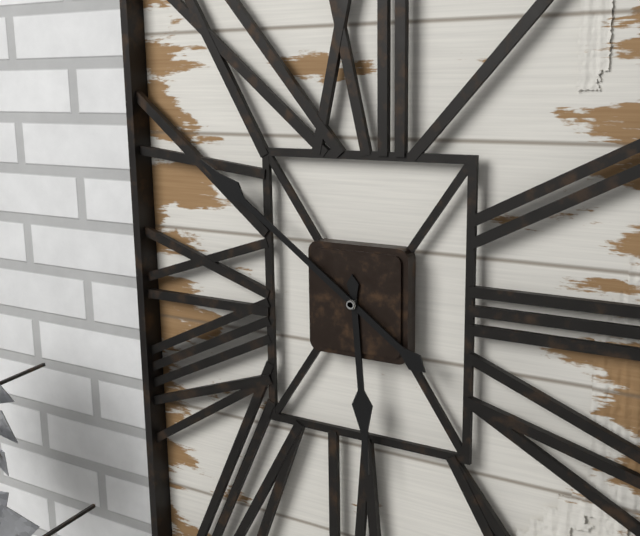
{"hour": 5, "minute": 51}
